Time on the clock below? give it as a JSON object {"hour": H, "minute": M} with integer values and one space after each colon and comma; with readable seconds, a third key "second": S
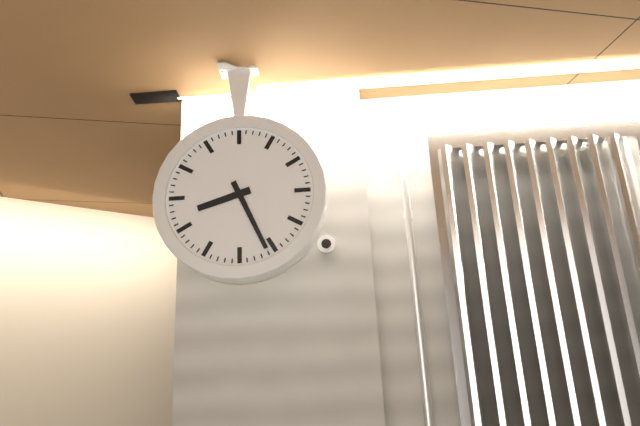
{"hour": 8, "minute": 26}
